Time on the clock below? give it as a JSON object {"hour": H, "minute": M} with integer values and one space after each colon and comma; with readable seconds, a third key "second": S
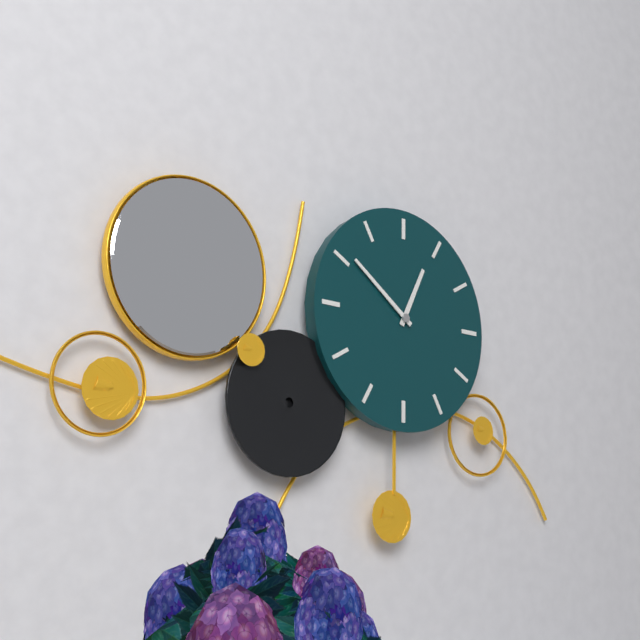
{"hour": 12, "minute": 51}
